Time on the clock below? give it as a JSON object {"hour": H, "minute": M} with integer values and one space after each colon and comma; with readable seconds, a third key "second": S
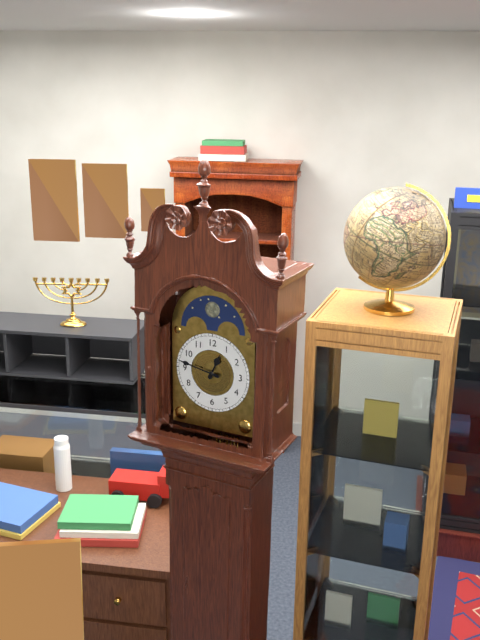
{"hour": 12, "minute": 47}
